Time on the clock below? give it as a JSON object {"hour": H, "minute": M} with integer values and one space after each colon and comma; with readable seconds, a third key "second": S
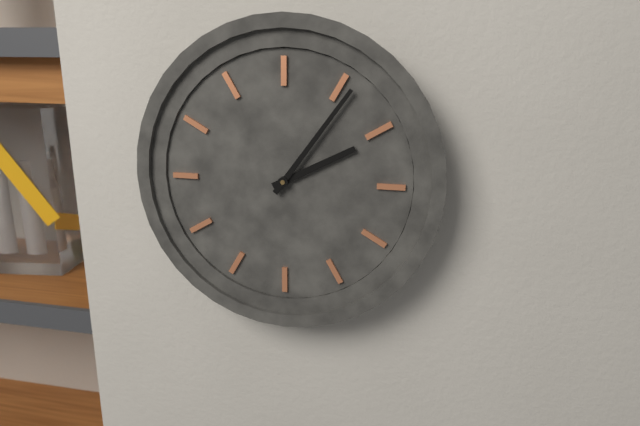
{"hour": 2, "minute": 6}
